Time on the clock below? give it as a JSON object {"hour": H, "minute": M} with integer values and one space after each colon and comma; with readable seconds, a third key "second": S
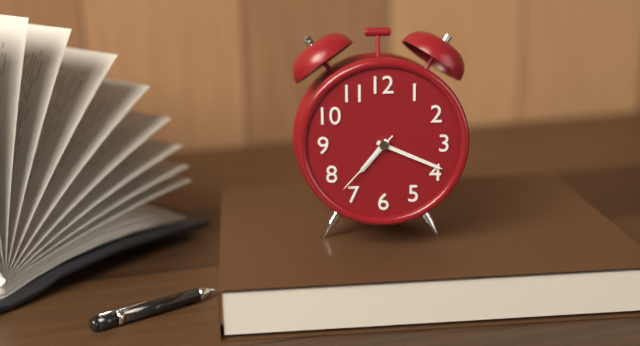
{"hour": 7, "minute": 19, "second": 37}
